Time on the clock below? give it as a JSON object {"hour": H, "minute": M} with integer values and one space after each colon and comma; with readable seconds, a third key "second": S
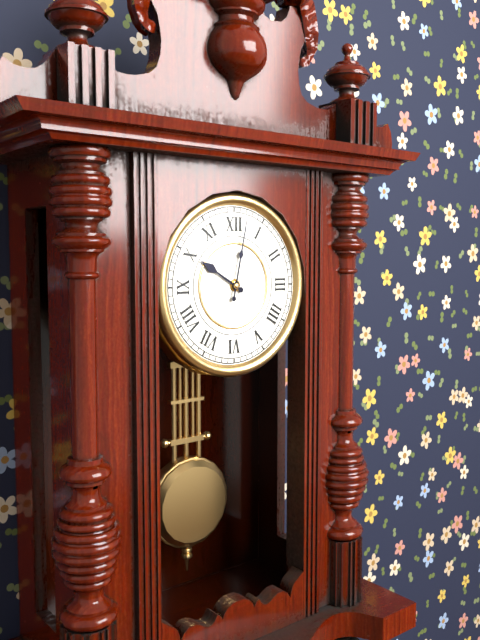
{"hour": 10, "minute": 2}
